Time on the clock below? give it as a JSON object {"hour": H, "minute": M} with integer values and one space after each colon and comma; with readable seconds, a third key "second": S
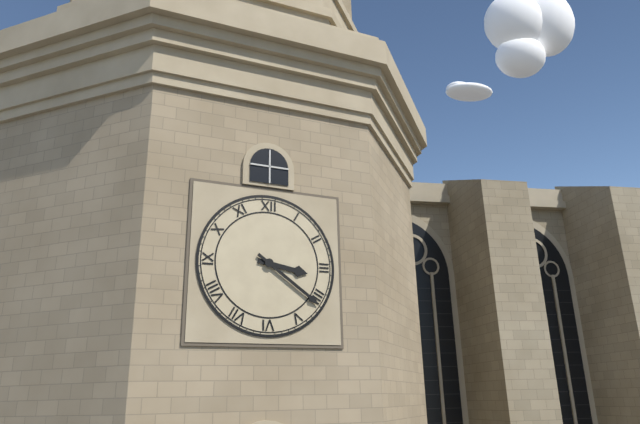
{"hour": 3, "minute": 21}
